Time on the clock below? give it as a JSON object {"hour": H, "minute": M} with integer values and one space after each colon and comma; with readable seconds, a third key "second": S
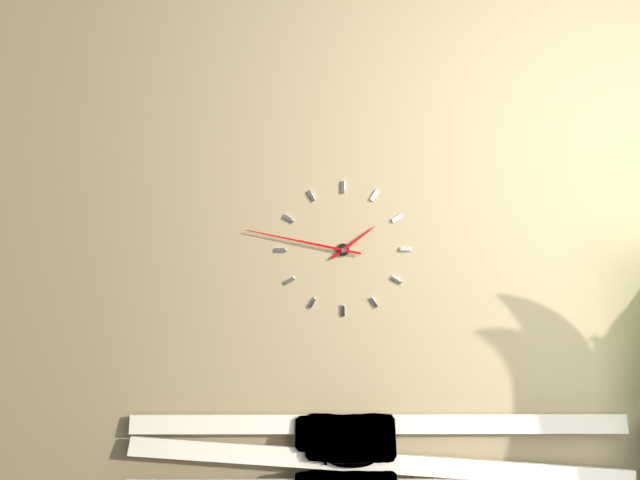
{"hour": 1, "minute": 47}
